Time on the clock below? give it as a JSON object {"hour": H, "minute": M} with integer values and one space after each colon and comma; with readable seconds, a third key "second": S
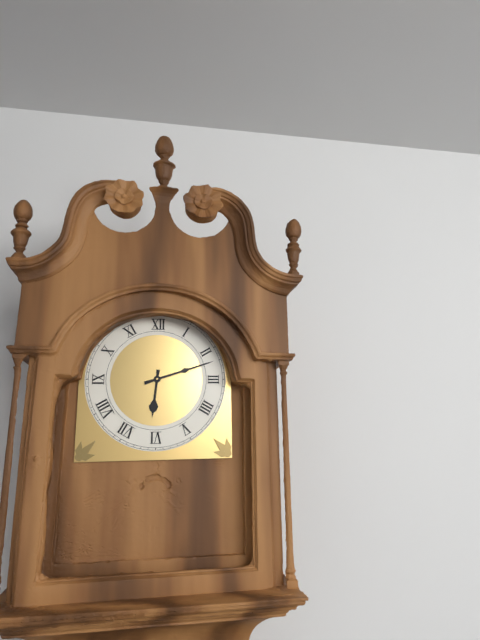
{"hour": 6, "minute": 12}
